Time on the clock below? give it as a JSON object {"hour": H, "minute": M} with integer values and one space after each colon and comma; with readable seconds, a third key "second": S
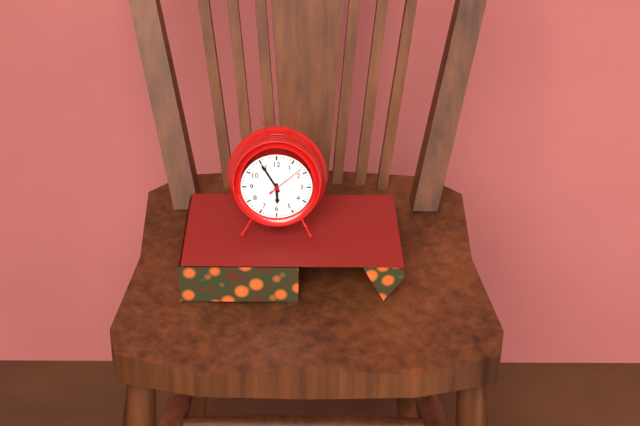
{"hour": 5, "minute": 55}
